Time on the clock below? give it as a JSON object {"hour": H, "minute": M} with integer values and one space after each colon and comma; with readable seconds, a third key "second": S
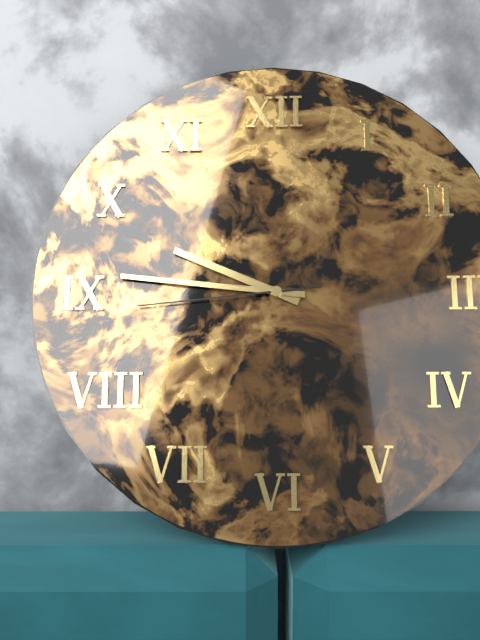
{"hour": 9, "minute": 46, "second": 44}
